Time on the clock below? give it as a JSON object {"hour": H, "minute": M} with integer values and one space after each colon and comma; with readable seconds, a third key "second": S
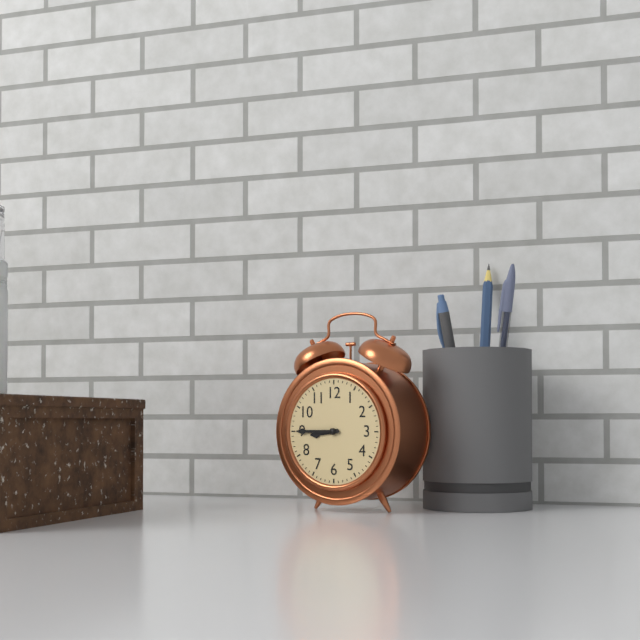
{"hour": 8, "minute": 45}
